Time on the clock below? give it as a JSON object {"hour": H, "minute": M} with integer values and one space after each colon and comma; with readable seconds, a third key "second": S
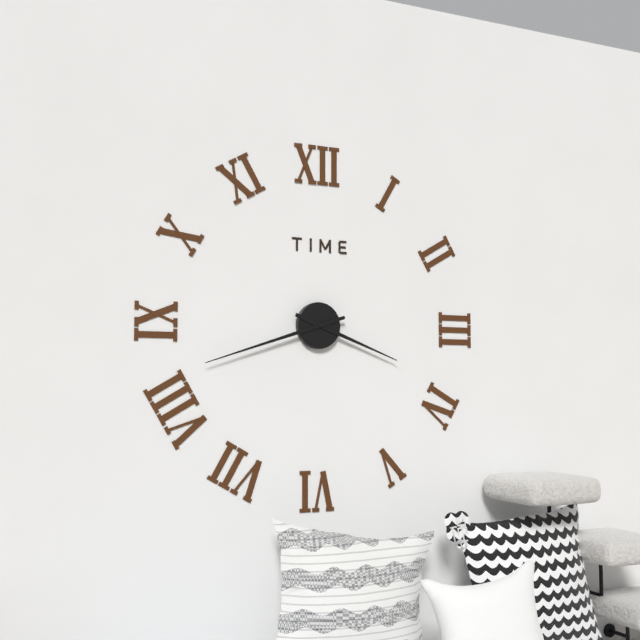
{"hour": 3, "minute": 42}
